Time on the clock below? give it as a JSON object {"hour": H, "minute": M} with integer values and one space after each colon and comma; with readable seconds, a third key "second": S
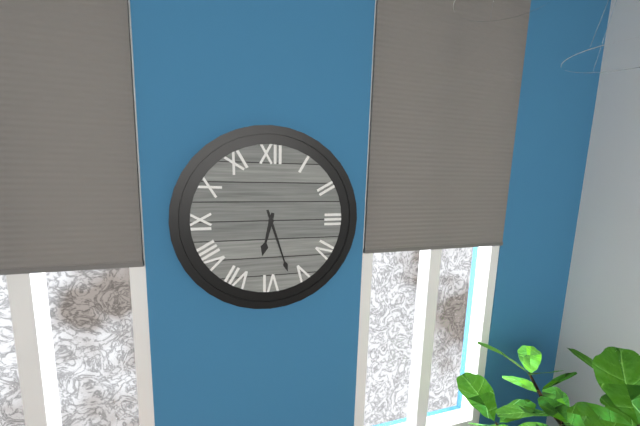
{"hour": 6, "minute": 27}
